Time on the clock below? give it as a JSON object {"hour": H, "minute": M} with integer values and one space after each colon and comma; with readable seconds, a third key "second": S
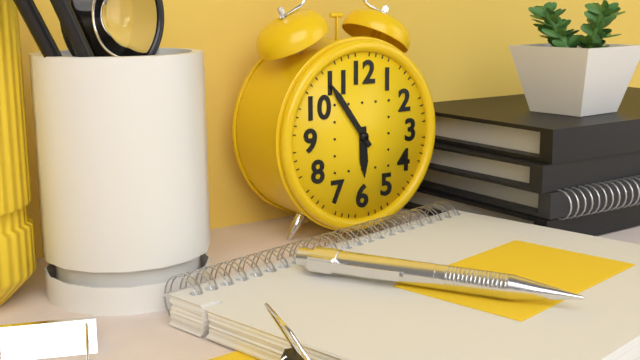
{"hour": 5, "minute": 54}
